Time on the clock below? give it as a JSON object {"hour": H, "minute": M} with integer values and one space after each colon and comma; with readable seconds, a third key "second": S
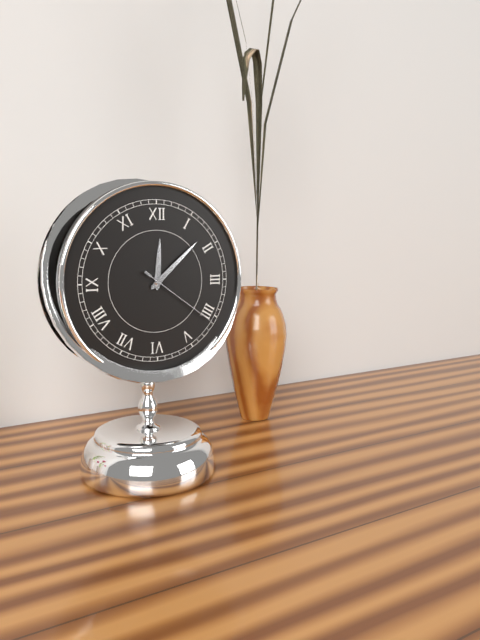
{"hour": 12, "minute": 8, "second": 21}
